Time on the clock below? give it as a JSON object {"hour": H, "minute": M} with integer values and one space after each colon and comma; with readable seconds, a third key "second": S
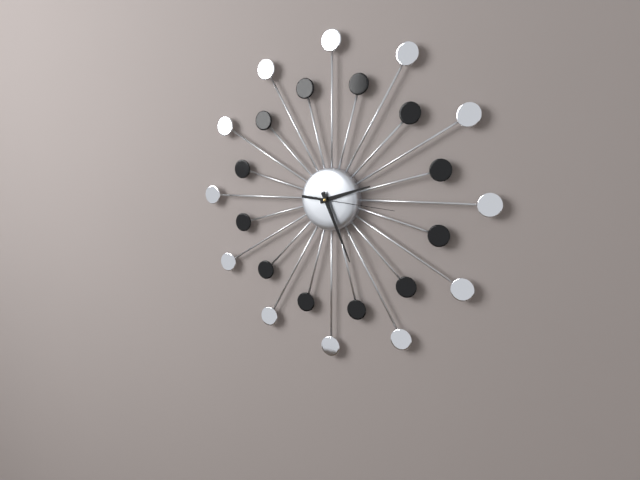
{"hour": 2, "minute": 26, "second": 16}
